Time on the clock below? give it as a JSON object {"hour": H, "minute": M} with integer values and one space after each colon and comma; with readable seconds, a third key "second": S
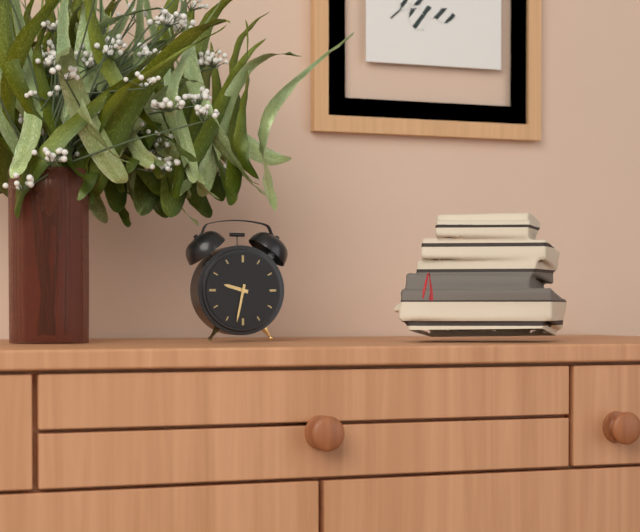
{"hour": 9, "minute": 32}
